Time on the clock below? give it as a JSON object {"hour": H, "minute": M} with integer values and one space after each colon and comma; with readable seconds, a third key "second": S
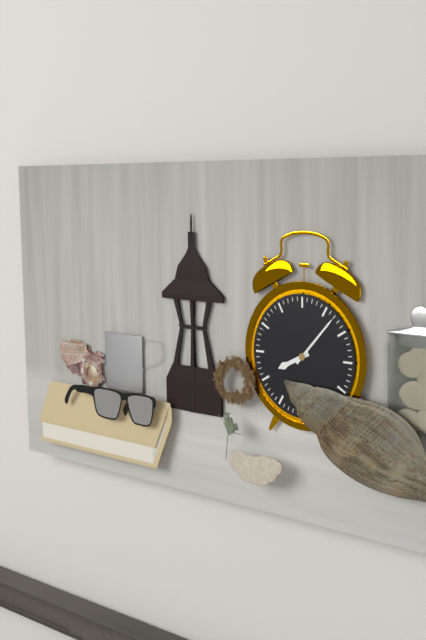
{"hour": 8, "minute": 7}
